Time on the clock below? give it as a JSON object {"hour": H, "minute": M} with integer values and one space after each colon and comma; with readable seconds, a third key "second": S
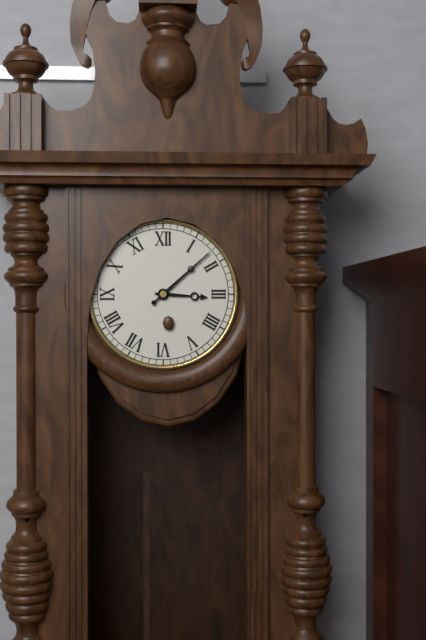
{"hour": 3, "minute": 8}
